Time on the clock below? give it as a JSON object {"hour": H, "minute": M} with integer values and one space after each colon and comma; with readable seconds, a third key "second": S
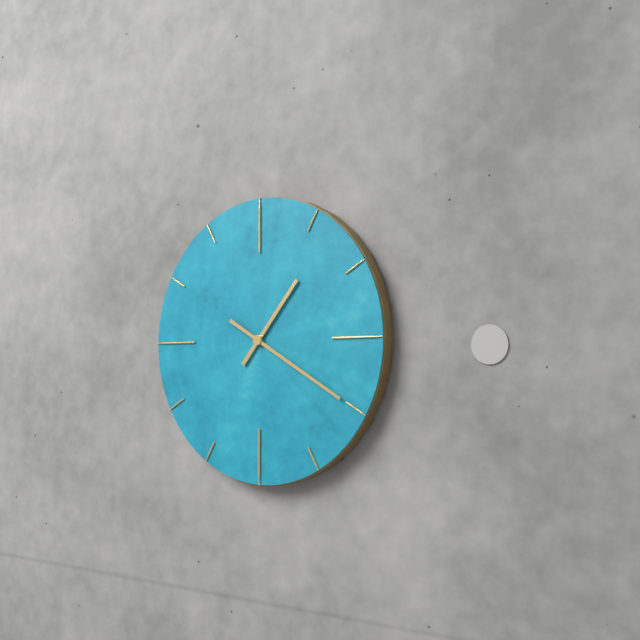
{"hour": 1, "minute": 20}
